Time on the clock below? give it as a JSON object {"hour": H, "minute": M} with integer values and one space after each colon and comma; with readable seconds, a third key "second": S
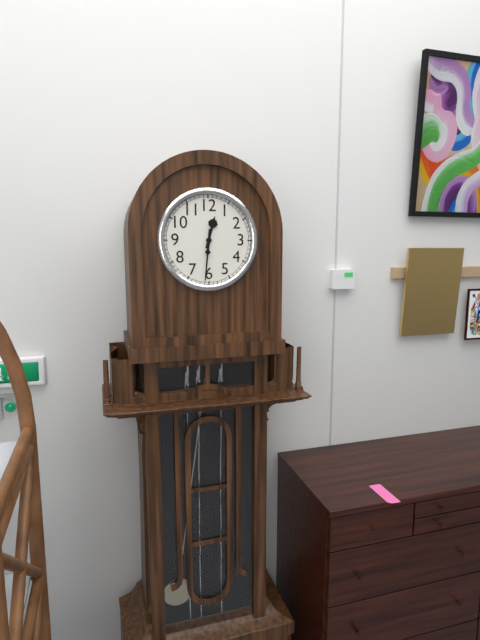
{"hour": 12, "minute": 31}
